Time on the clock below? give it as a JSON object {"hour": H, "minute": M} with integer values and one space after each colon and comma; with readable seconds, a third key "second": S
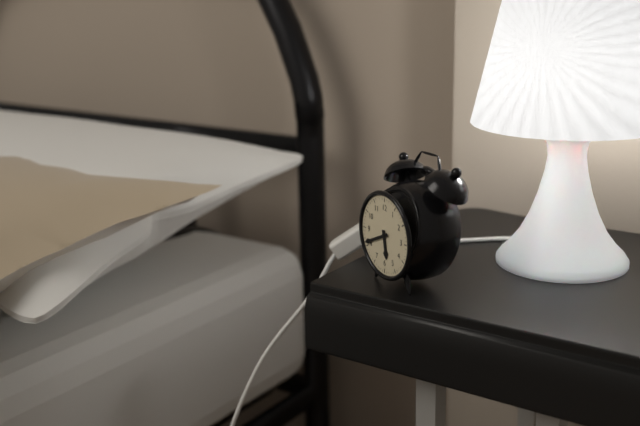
{"hour": 5, "minute": 41}
